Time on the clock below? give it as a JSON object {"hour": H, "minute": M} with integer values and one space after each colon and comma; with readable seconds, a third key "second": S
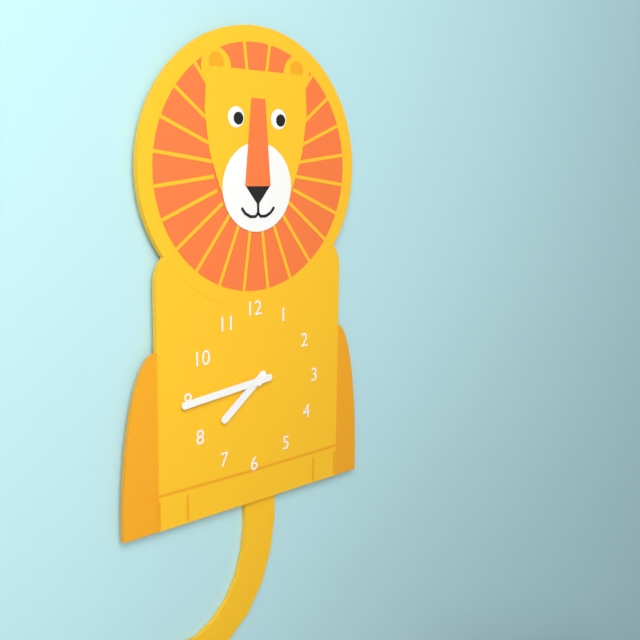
{"hour": 7, "minute": 44}
